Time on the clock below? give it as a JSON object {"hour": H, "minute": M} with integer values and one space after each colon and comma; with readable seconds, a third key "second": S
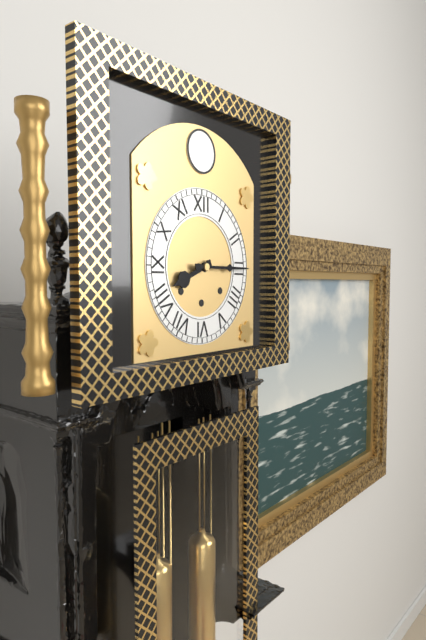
{"hour": 8, "minute": 15}
